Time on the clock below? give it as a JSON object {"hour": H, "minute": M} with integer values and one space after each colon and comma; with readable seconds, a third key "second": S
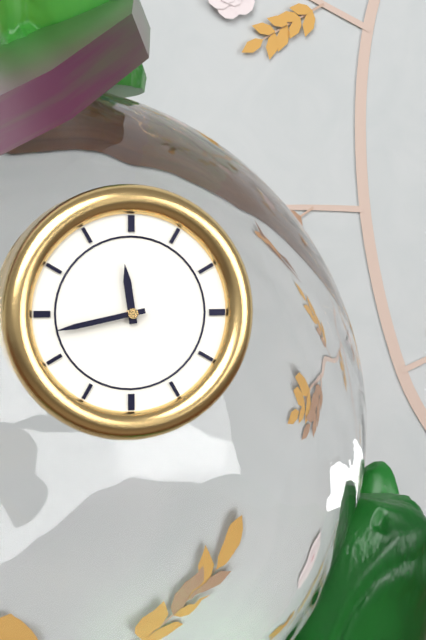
{"hour": 11, "minute": 43}
